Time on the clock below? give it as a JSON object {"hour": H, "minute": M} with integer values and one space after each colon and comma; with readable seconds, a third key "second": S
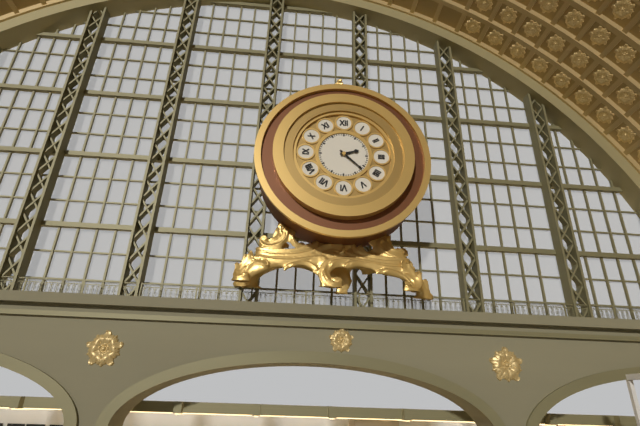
{"hour": 2, "minute": 22}
